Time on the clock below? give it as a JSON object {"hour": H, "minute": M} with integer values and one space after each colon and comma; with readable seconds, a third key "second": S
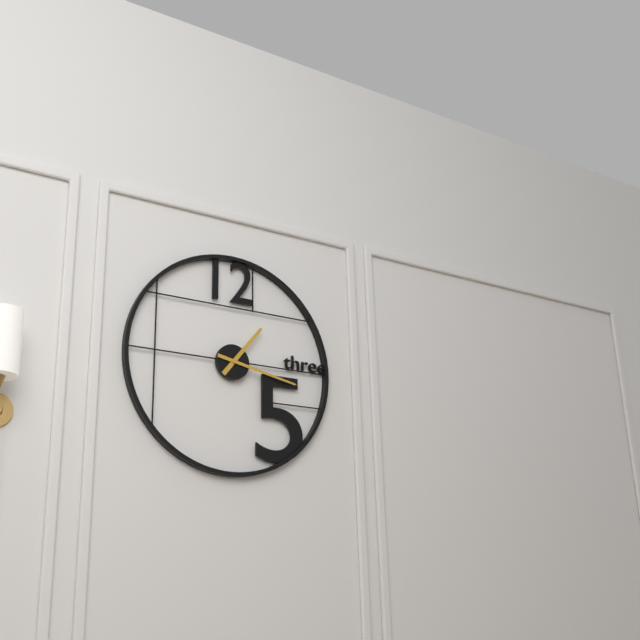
{"hour": 1, "minute": 17}
